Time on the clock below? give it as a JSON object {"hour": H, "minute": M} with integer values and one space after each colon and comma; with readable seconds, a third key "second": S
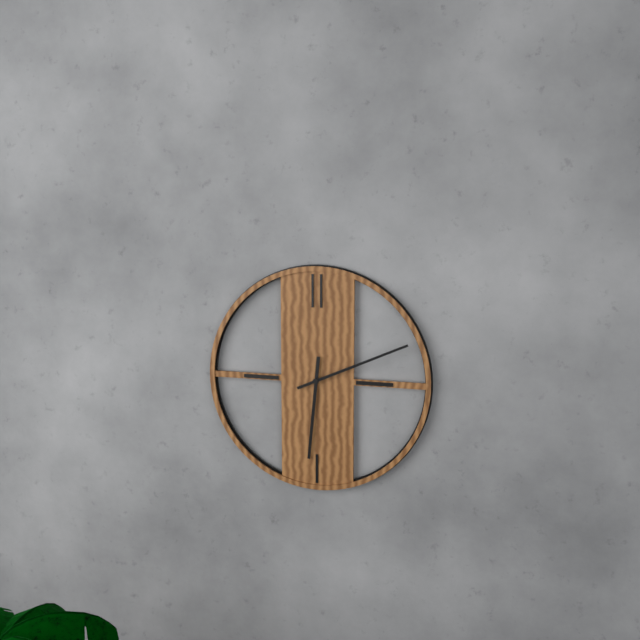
{"hour": 6, "minute": 11}
